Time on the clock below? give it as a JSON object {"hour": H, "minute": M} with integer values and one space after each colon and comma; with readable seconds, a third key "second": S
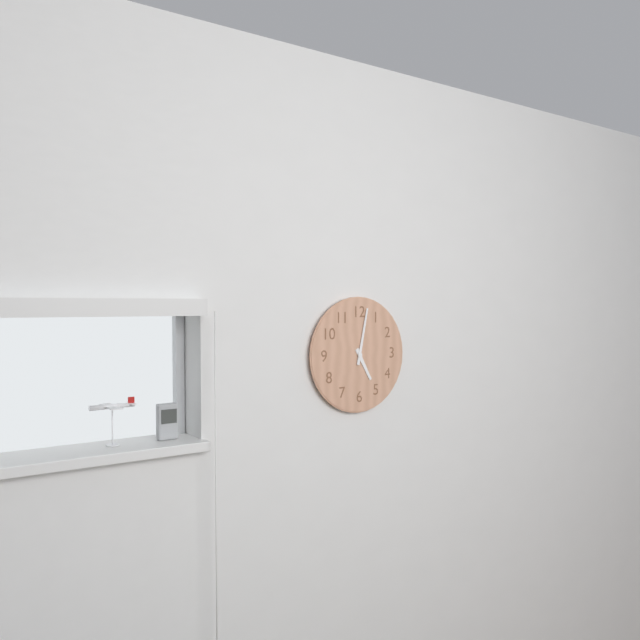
{"hour": 5, "minute": 2}
